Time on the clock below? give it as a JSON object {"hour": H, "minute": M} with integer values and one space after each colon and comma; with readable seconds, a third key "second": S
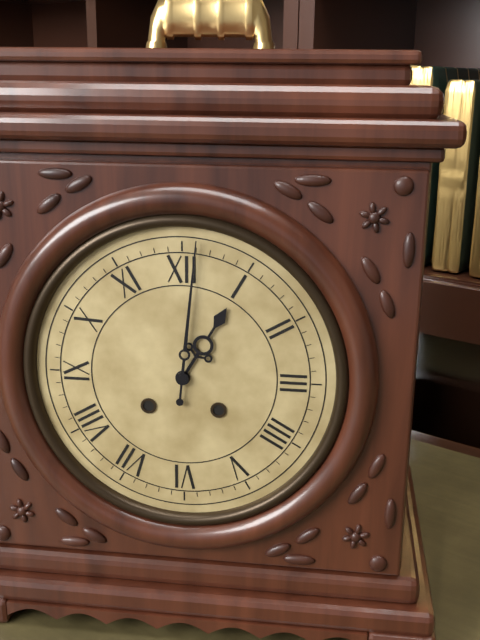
{"hour": 1, "minute": 1}
